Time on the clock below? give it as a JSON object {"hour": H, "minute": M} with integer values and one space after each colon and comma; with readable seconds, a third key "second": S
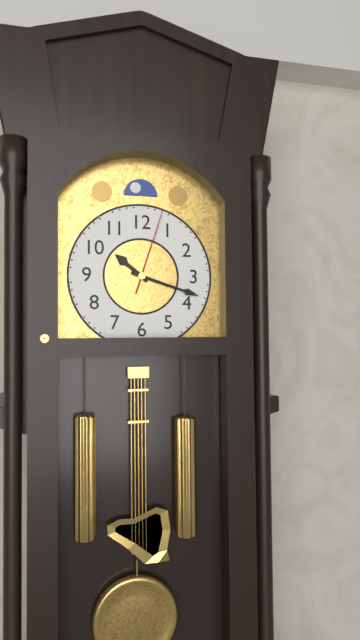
{"hour": 10, "minute": 18, "second": 3}
